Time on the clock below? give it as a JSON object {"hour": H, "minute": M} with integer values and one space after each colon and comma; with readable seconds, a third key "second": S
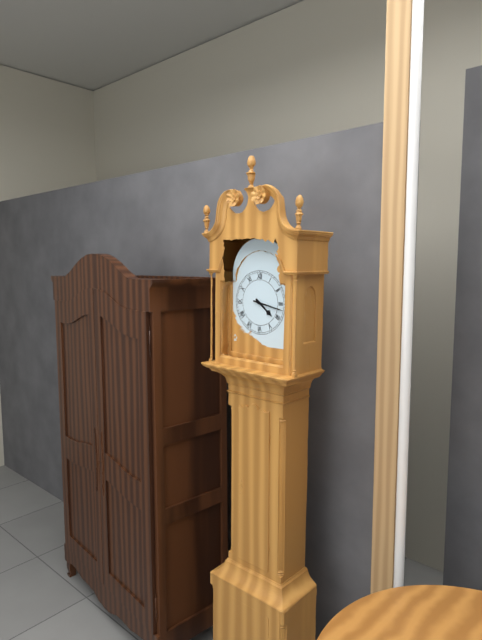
{"hour": 4, "minute": 17}
